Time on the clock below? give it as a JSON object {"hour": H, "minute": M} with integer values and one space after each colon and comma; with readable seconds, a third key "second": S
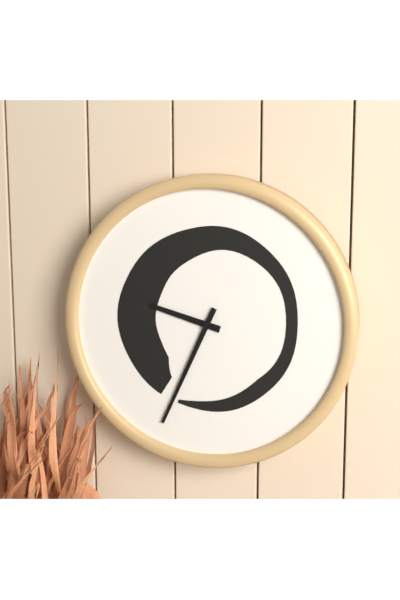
{"hour": 9, "minute": 34}
